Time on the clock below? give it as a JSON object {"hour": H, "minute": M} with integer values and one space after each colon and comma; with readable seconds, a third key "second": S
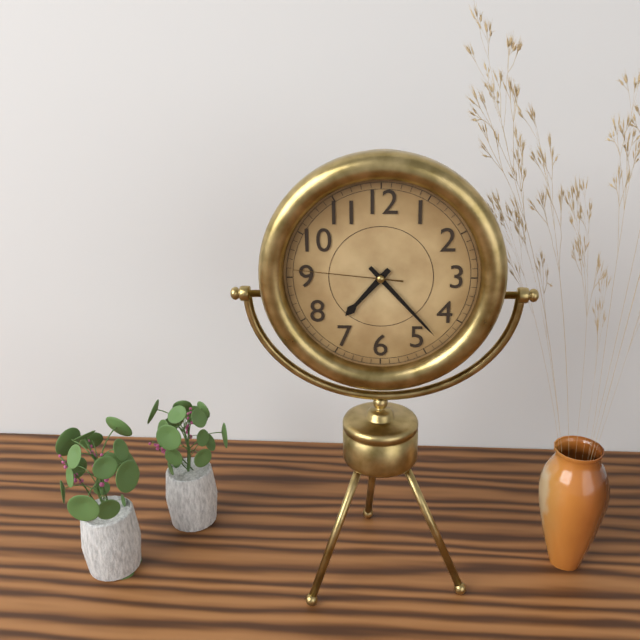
{"hour": 7, "minute": 23, "second": 46}
